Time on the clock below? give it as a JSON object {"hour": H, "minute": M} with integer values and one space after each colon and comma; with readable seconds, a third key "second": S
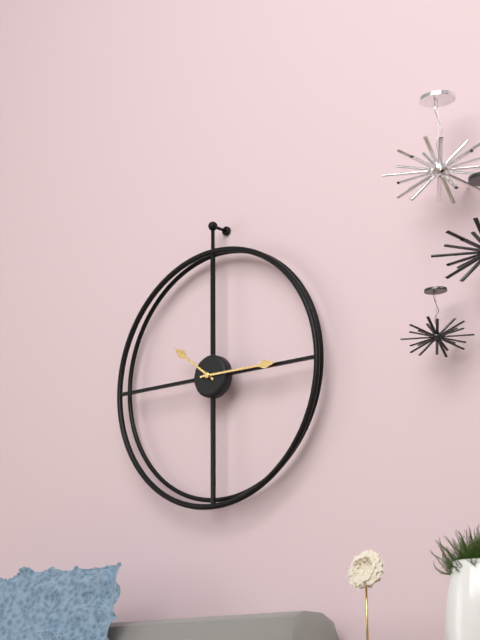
{"hour": 10, "minute": 15}
